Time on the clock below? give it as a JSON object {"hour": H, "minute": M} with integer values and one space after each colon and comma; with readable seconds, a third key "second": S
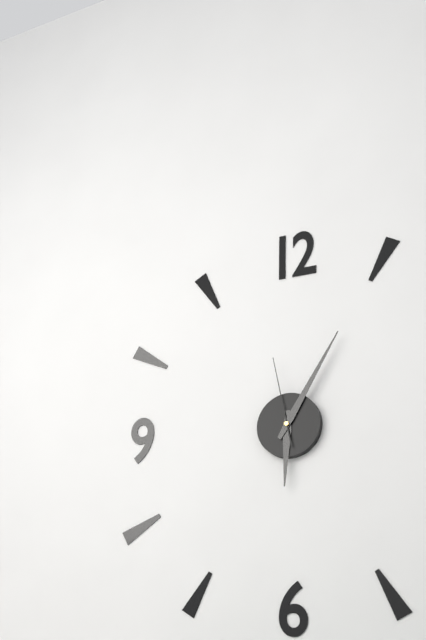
{"hour": 6, "minute": 5, "second": 58}
